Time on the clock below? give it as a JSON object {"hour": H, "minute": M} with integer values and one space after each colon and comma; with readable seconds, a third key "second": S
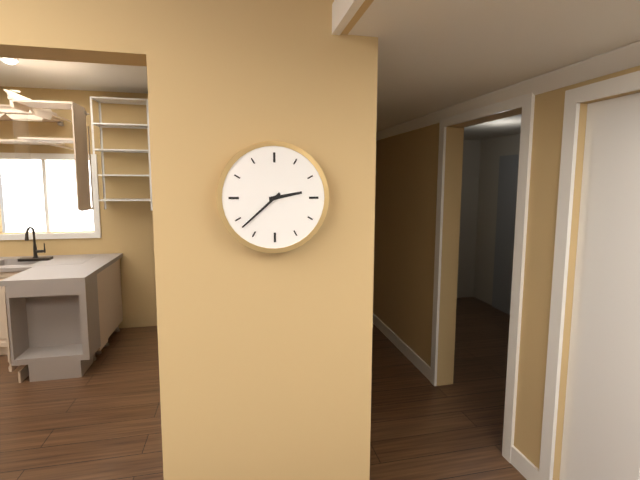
{"hour": 2, "minute": 38}
